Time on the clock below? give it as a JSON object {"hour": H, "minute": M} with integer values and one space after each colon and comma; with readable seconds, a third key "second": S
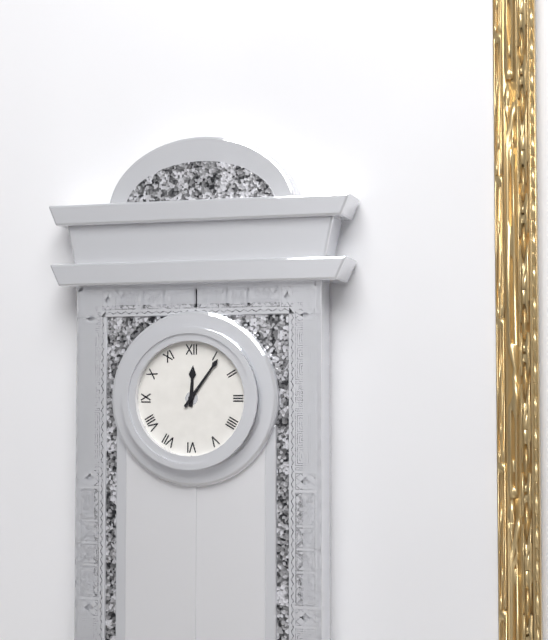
{"hour": 12, "minute": 6}
